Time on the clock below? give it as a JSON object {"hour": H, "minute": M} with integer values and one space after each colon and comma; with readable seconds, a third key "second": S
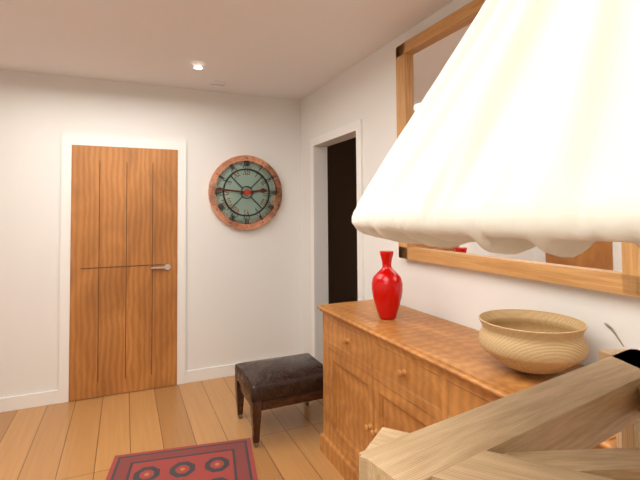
{"hour": 2, "minute": 46}
